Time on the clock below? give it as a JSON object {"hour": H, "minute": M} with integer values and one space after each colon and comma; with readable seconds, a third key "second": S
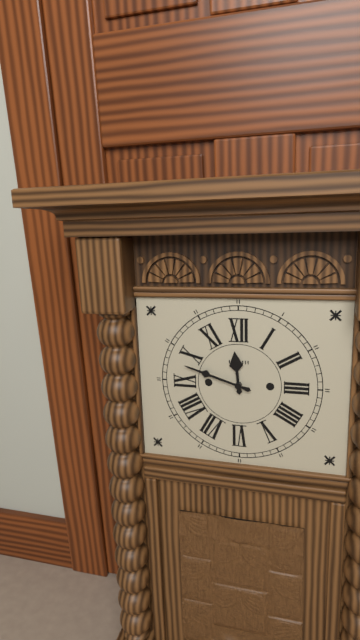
{"hour": 11, "minute": 48}
